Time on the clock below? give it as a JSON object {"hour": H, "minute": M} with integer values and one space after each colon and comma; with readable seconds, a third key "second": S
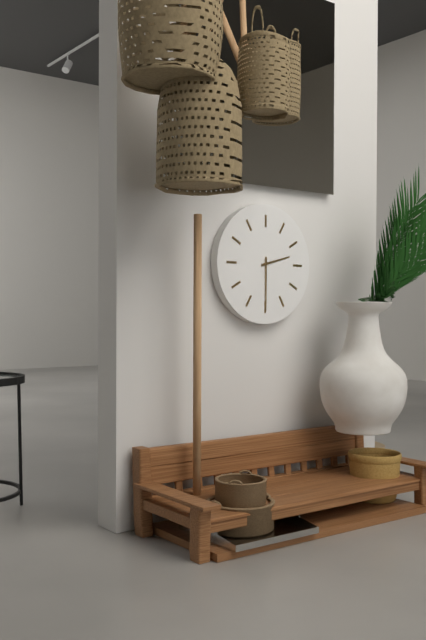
{"hour": 2, "minute": 30}
